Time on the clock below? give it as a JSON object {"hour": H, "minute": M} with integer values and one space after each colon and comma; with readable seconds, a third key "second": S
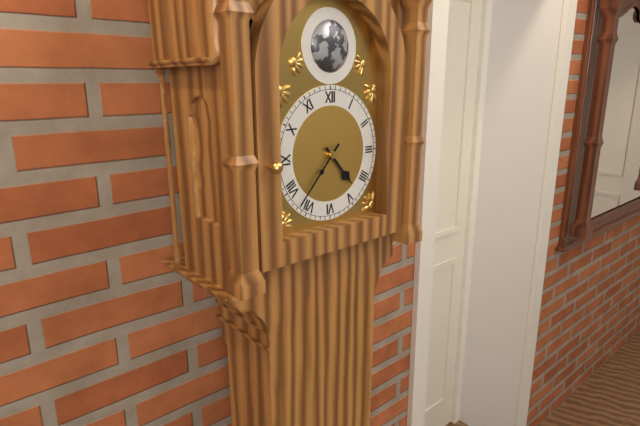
{"hour": 4, "minute": 37}
